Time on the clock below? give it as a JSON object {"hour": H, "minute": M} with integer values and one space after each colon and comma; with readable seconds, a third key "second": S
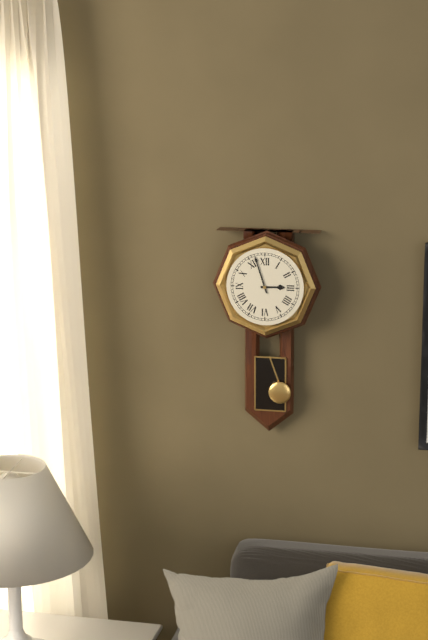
{"hour": 2, "minute": 57}
